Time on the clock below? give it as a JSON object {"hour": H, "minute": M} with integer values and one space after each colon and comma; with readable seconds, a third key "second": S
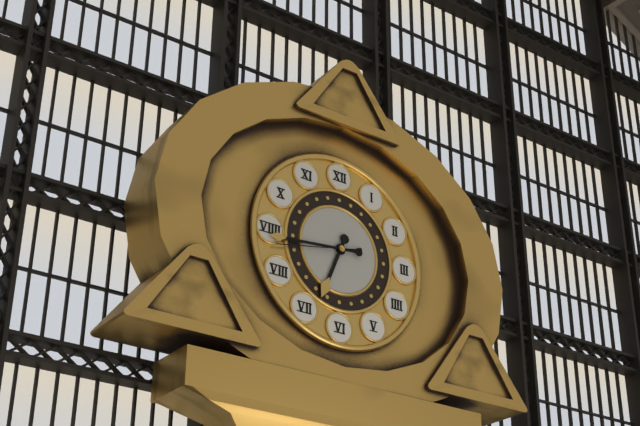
{"hour": 6, "minute": 44, "second": 43}
